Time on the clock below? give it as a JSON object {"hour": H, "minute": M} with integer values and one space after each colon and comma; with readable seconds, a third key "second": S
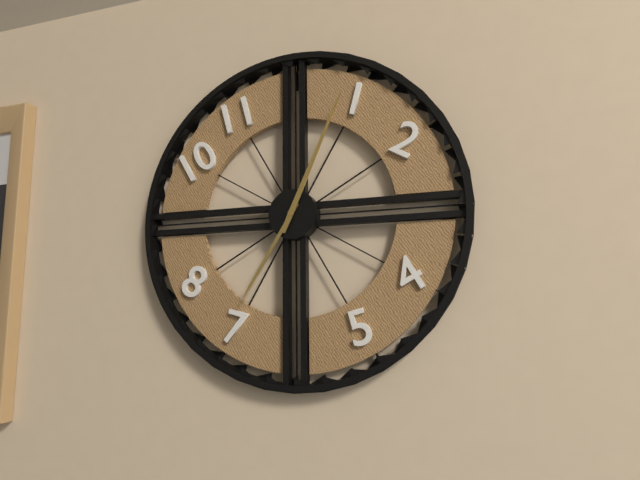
{"hour": 7, "minute": 4}
